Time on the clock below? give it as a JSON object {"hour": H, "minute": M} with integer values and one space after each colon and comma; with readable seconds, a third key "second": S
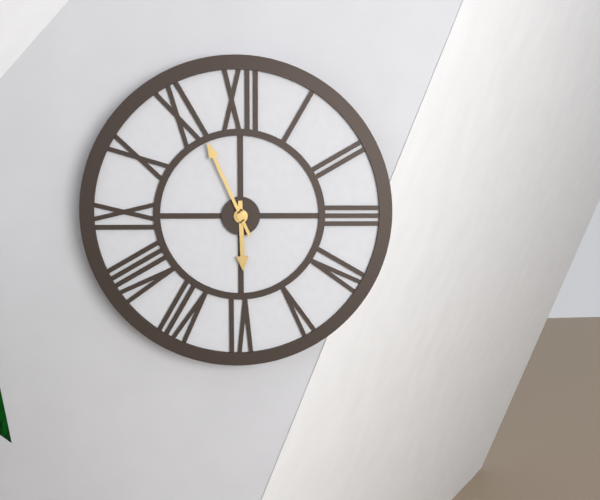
{"hour": 5, "minute": 56}
